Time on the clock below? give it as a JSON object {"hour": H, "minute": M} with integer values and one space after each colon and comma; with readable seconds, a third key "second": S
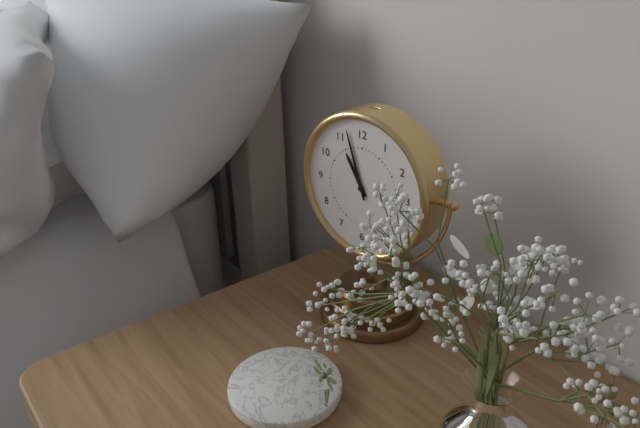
{"hour": 10, "minute": 57}
